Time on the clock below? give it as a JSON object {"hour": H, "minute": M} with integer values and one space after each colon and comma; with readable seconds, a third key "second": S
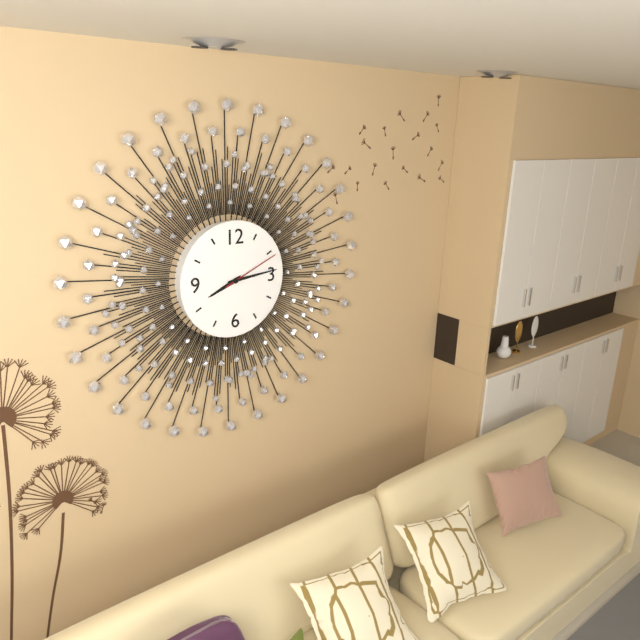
{"hour": 8, "minute": 14, "second": 11}
